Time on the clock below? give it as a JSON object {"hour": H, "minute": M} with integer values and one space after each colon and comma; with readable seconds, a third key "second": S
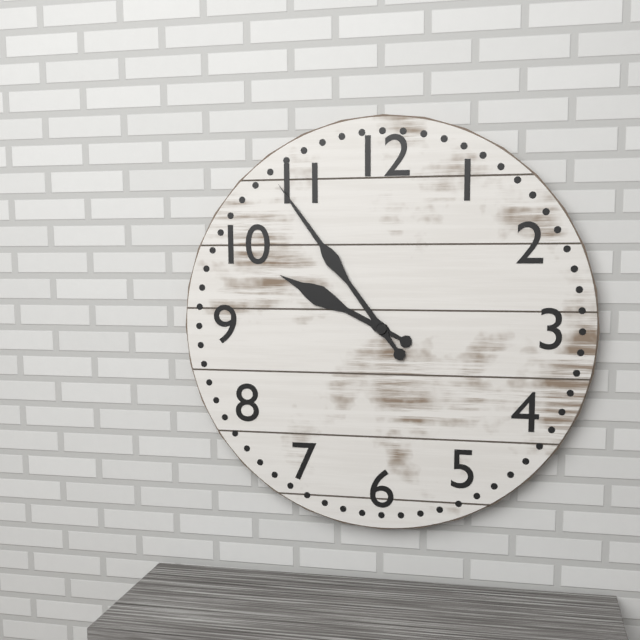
{"hour": 9, "minute": 54}
